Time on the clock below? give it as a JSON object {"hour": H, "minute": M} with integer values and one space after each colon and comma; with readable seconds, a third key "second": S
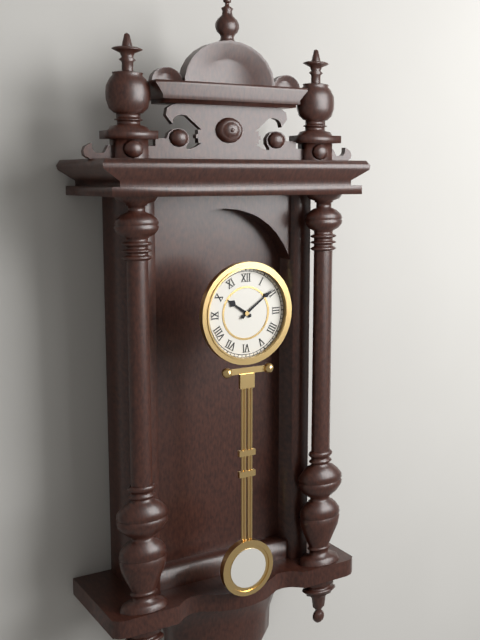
{"hour": 10, "minute": 9}
